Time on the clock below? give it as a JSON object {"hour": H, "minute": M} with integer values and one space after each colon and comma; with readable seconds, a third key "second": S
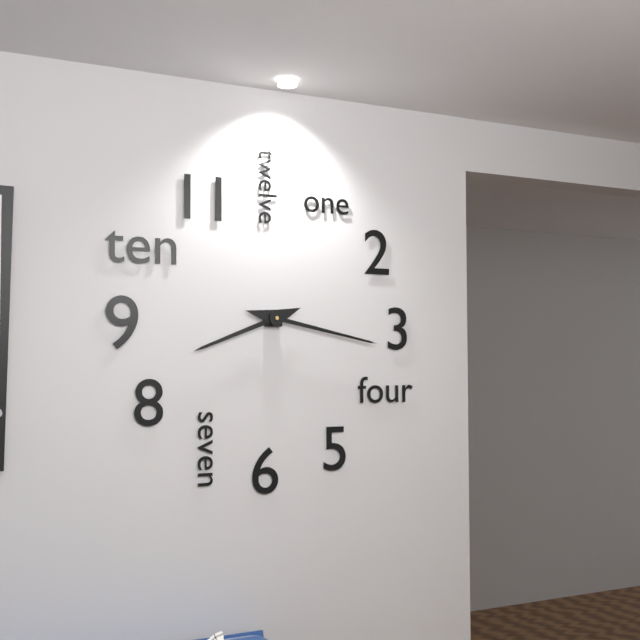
{"hour": 8, "minute": 17}
